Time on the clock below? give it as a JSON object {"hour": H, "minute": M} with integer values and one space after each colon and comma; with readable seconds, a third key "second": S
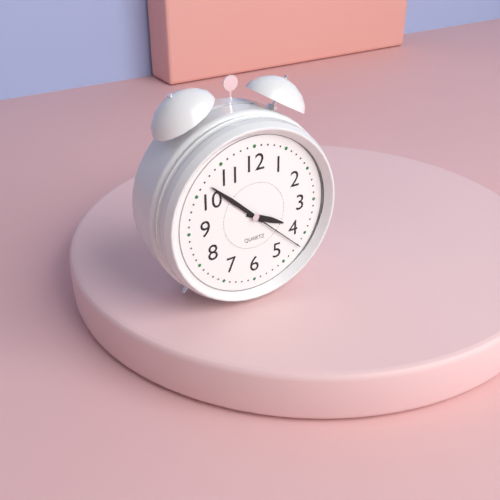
{"hour": 3, "minute": 52, "second": 22}
